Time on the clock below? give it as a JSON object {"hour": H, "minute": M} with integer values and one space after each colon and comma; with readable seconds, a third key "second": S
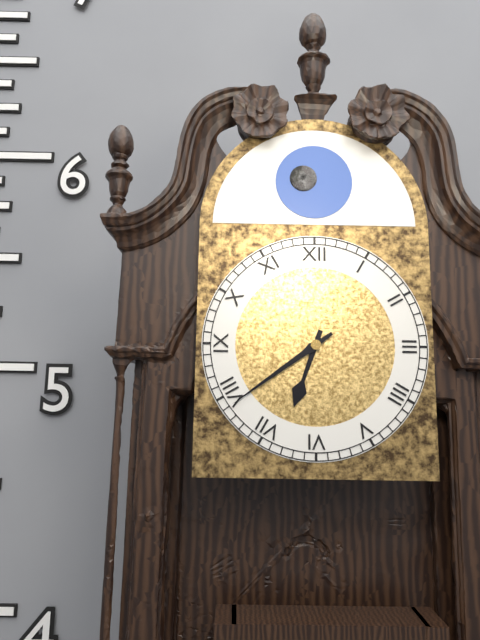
{"hour": 6, "minute": 39}
